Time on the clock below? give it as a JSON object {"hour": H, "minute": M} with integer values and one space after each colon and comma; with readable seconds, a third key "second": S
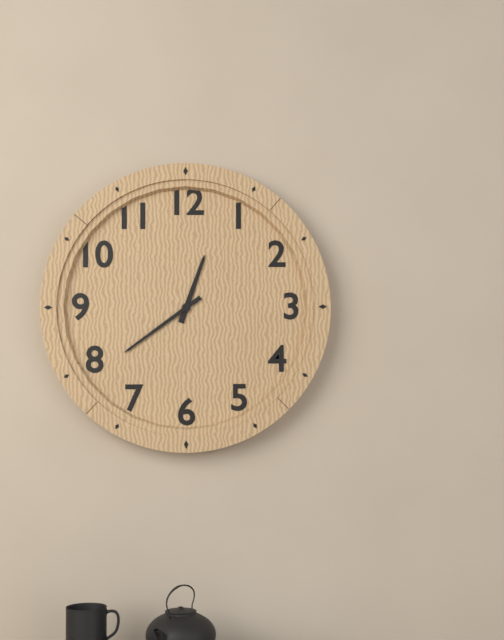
{"hour": 12, "minute": 39}
